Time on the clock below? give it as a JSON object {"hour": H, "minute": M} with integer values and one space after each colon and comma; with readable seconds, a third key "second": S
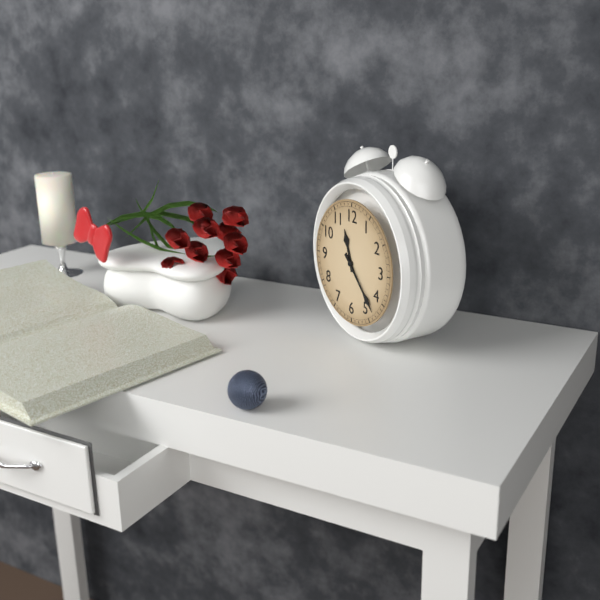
{"hour": 11, "minute": 23}
